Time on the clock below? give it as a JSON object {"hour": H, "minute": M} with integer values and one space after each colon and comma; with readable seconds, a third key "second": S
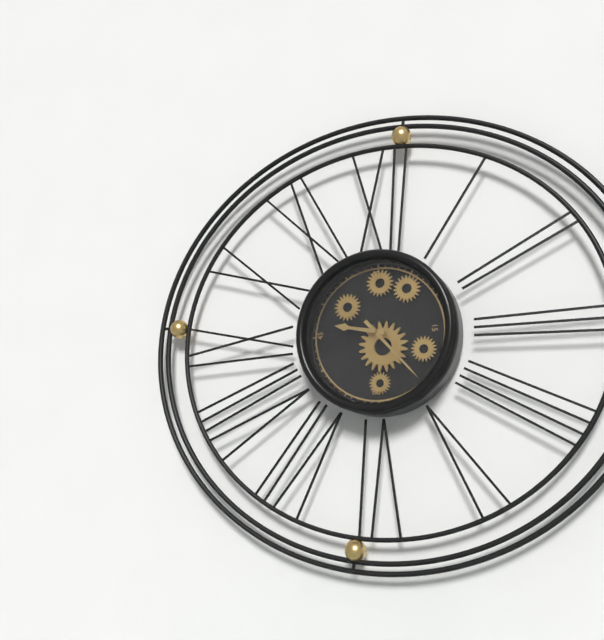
{"hour": 9, "minute": 23}
